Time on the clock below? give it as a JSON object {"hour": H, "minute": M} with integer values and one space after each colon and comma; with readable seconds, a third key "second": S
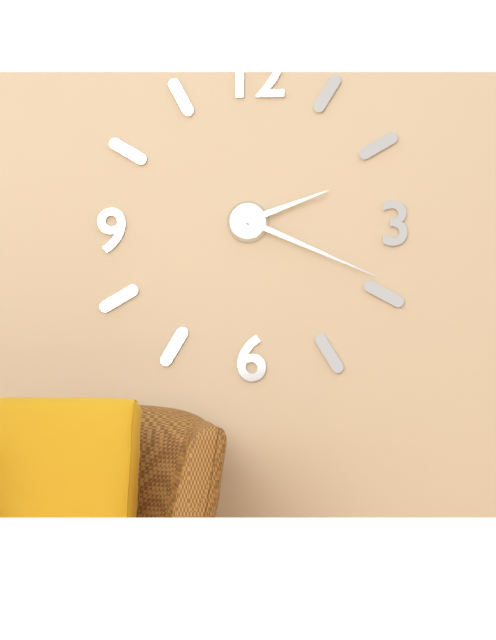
{"hour": 2, "minute": 19}
